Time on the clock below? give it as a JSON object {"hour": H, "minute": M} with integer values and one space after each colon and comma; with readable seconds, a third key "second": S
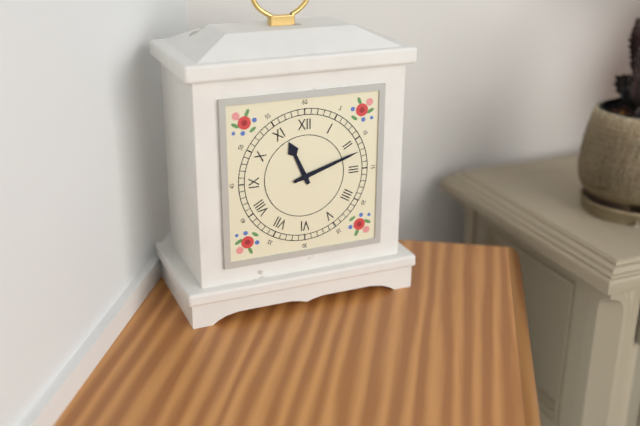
{"hour": 11, "minute": 12}
